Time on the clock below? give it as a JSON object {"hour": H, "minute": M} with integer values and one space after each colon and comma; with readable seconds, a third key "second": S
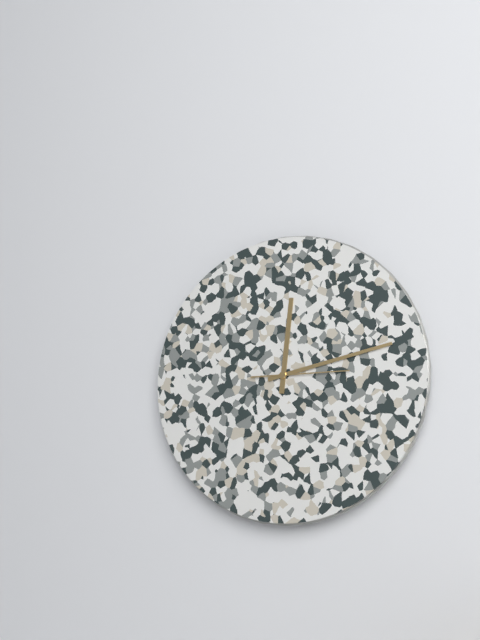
{"hour": 12, "minute": 13, "second": 15}
